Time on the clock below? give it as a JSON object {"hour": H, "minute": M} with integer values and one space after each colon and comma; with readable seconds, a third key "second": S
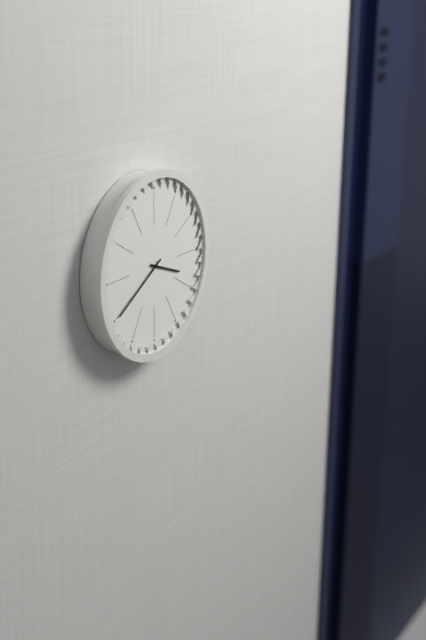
{"hour": 3, "minute": 40}
